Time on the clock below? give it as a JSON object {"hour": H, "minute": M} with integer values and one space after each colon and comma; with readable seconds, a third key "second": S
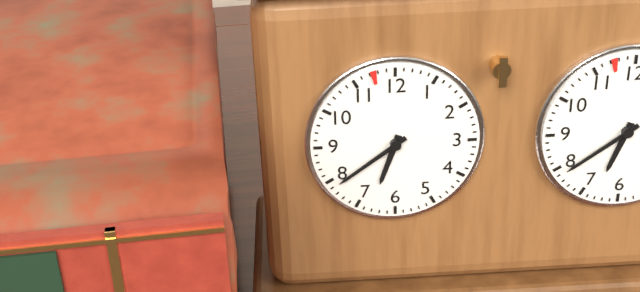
{"hour": 6, "minute": 39}
